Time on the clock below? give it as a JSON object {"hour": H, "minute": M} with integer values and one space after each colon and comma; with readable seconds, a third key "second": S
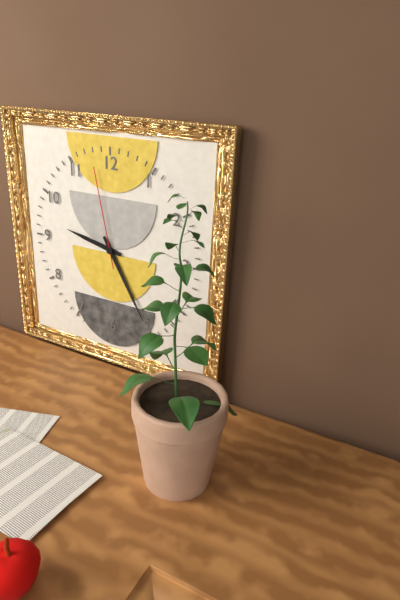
{"hour": 9, "minute": 25, "second": 58}
